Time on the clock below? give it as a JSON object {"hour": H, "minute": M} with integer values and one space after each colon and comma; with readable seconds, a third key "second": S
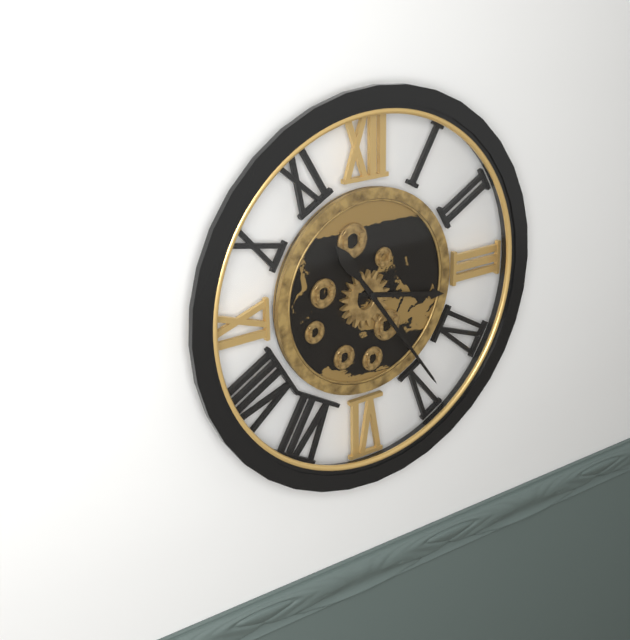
{"hour": 3, "minute": 24}
